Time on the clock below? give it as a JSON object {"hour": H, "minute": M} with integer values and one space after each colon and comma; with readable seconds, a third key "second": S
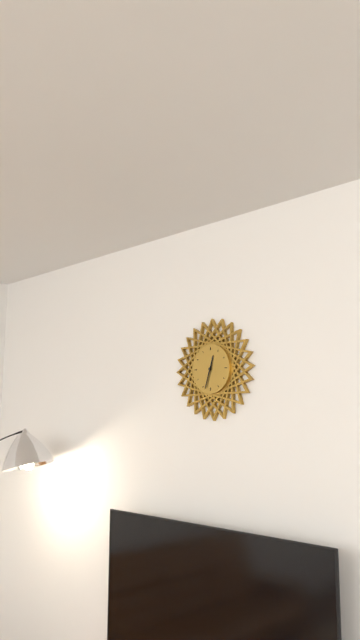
{"hour": 12, "minute": 33}
